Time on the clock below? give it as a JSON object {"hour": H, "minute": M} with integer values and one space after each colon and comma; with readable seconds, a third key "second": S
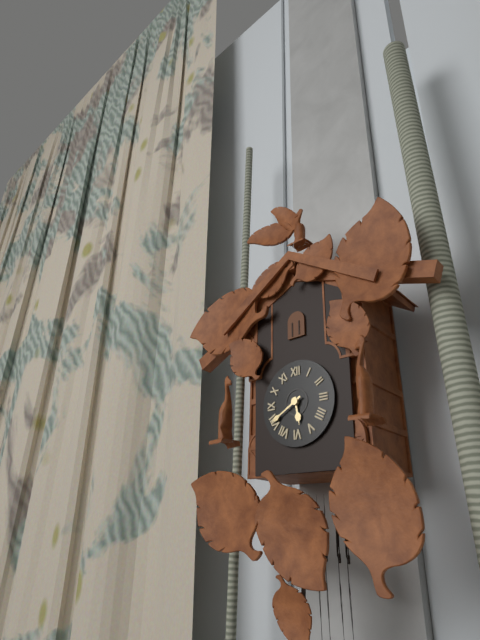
{"hour": 5, "minute": 40}
